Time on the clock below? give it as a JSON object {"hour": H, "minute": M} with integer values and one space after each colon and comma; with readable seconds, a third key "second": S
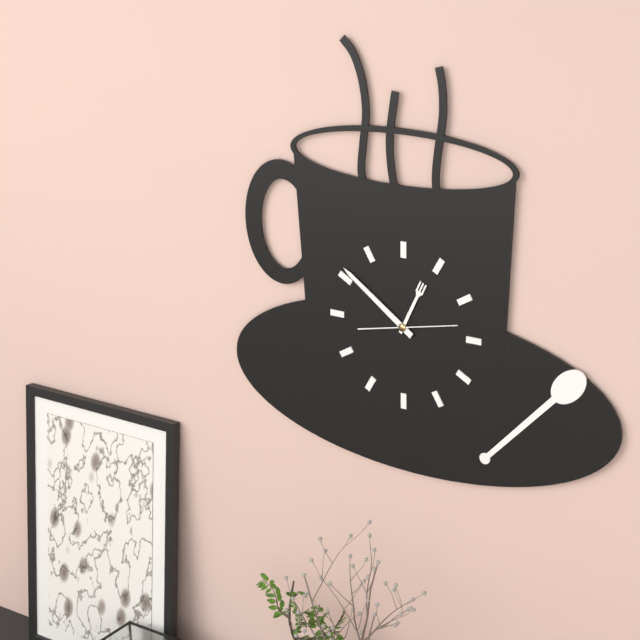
{"hour": 12, "minute": 51, "second": 13}
